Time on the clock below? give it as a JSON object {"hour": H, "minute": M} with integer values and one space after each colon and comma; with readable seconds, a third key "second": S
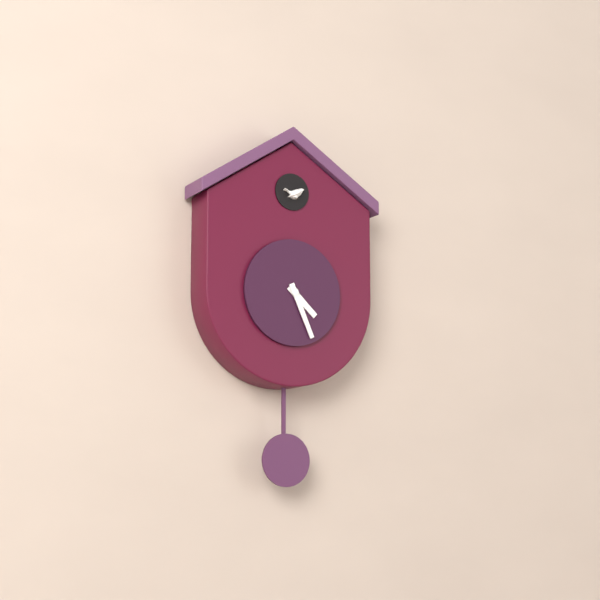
{"hour": 4, "minute": 26}
